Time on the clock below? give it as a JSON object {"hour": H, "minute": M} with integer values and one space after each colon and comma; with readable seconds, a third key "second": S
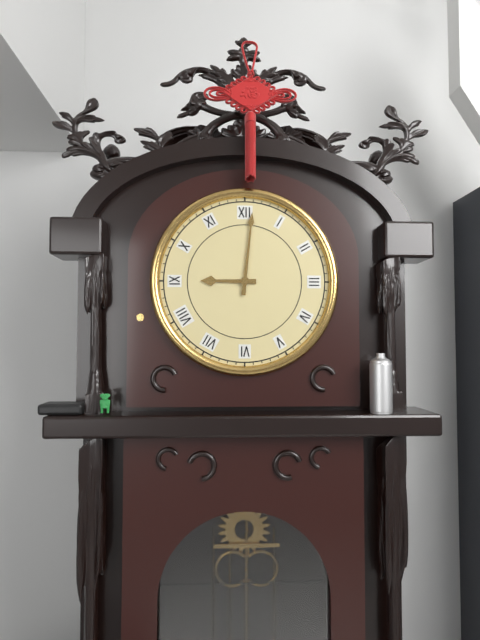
{"hour": 9, "minute": 1}
